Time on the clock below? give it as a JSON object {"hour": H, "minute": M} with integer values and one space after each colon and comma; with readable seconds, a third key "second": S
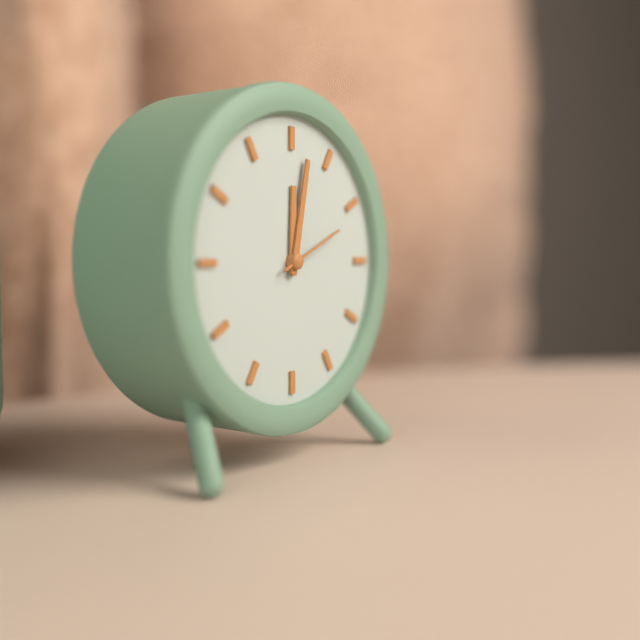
{"hour": 12, "minute": 2, "second": 11}
